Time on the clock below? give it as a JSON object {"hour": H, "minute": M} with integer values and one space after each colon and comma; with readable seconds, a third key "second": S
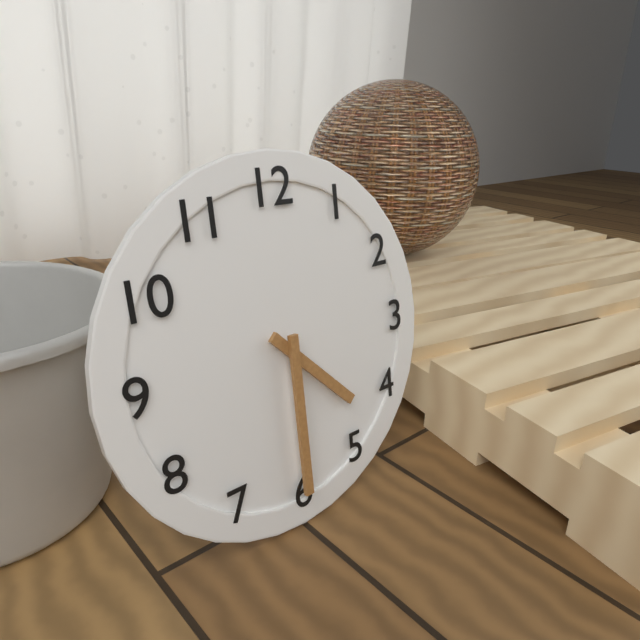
{"hour": 4, "minute": 30}
